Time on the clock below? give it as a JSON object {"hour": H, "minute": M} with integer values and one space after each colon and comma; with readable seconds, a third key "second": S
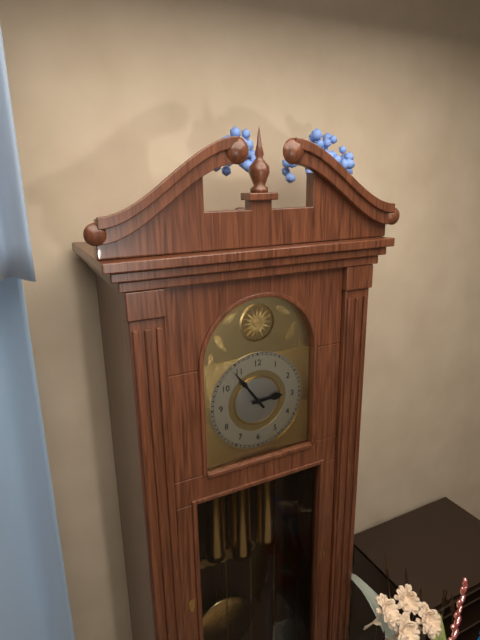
{"hour": 2, "minute": 54}
